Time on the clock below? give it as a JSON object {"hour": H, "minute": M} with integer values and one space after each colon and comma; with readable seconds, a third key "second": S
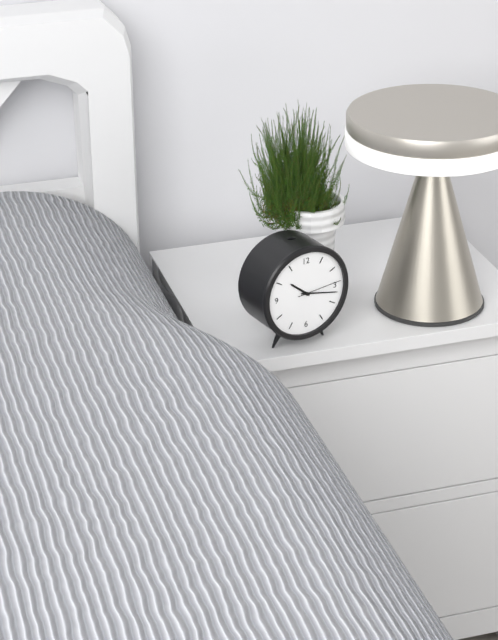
{"hour": 10, "minute": 17}
